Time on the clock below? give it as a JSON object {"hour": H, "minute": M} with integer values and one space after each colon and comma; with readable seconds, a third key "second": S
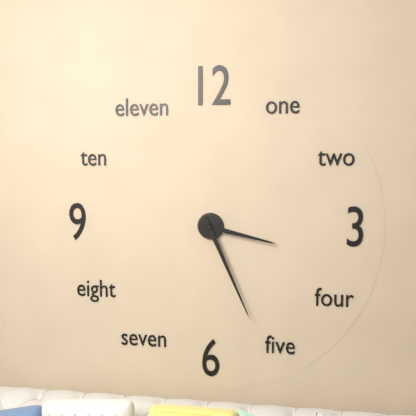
{"hour": 3, "minute": 26}
